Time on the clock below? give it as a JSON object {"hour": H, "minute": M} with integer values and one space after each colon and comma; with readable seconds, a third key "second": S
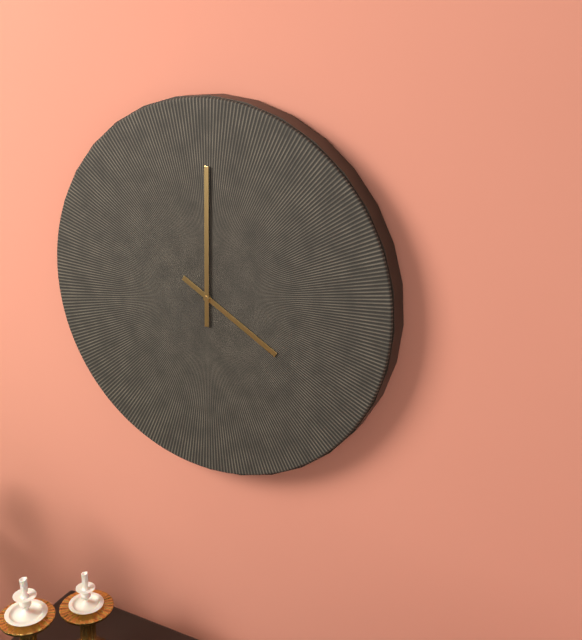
{"hour": 4, "minute": 0}
